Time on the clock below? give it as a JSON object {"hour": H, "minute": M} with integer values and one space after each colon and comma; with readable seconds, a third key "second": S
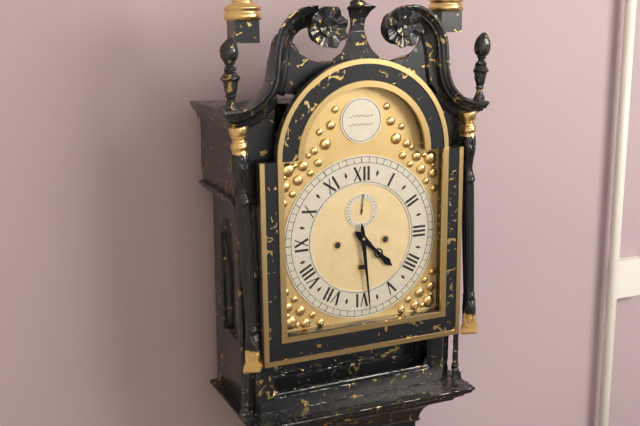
{"hour": 4, "minute": 29}
